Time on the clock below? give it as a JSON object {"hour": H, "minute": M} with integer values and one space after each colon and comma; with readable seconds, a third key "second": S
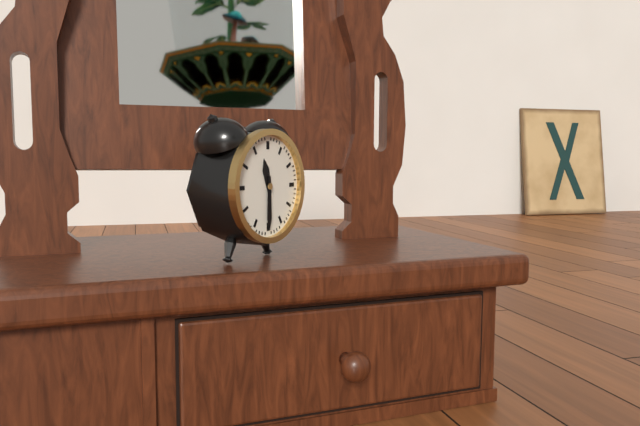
{"hour": 11, "minute": 30}
